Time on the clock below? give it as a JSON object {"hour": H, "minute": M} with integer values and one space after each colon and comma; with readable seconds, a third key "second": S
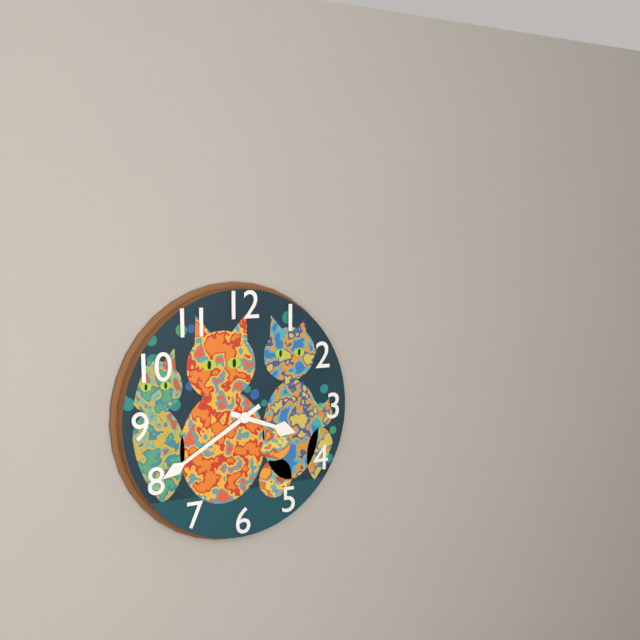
{"hour": 3, "minute": 40}
